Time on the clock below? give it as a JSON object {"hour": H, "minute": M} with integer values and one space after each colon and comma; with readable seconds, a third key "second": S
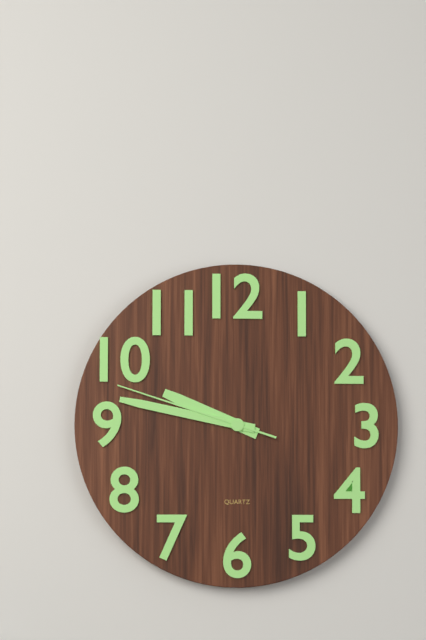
{"hour": 9, "minute": 47, "second": 48}
